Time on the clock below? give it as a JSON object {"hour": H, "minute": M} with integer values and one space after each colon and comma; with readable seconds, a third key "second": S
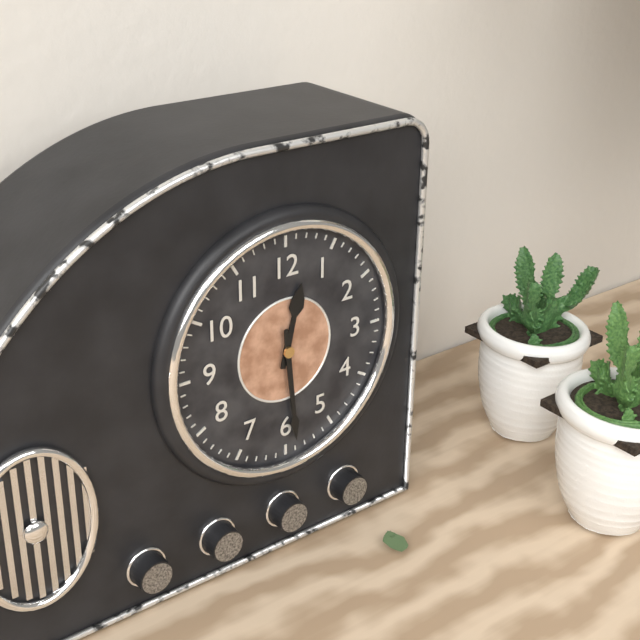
{"hour": 12, "minute": 29}
